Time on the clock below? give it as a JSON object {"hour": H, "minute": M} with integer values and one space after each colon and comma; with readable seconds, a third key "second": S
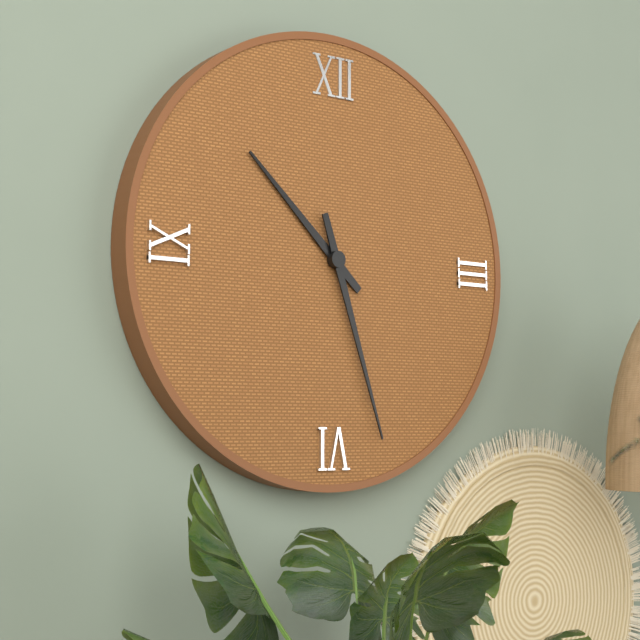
{"hour": 10, "minute": 27}
